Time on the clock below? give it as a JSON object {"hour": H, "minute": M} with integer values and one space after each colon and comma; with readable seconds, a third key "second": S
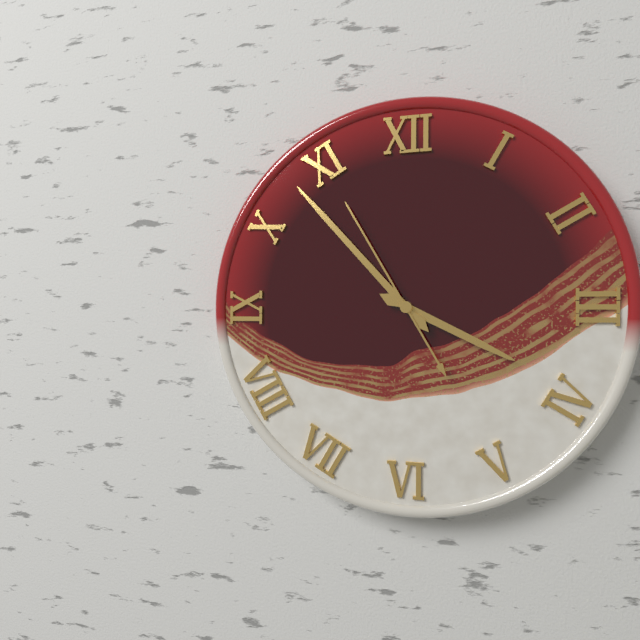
{"hour": 3, "minute": 53, "second": 55}
